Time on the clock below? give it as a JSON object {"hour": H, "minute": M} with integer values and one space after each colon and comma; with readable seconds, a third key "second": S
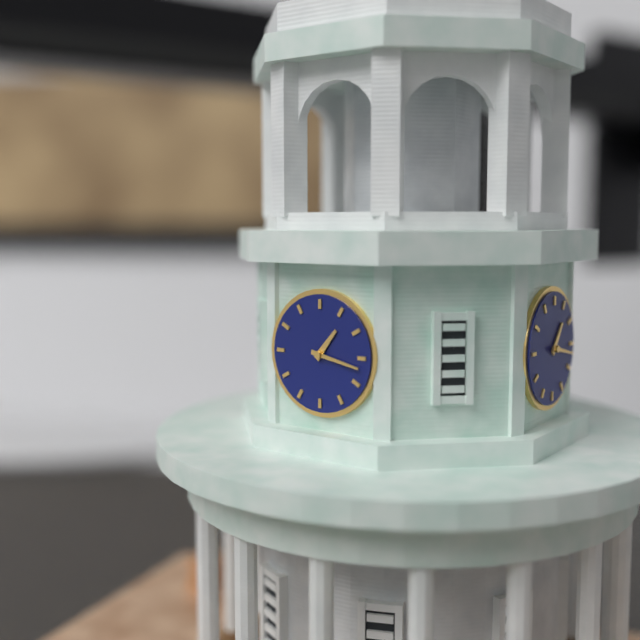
{"hour": 1, "minute": 17}
